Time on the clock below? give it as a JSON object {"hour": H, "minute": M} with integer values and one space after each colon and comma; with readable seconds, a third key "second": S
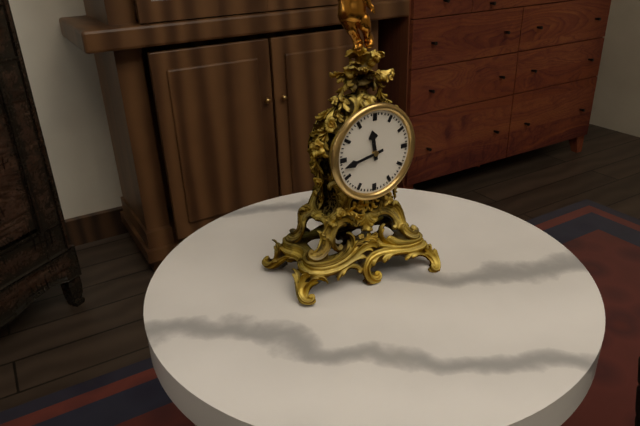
{"hour": 11, "minute": 43}
